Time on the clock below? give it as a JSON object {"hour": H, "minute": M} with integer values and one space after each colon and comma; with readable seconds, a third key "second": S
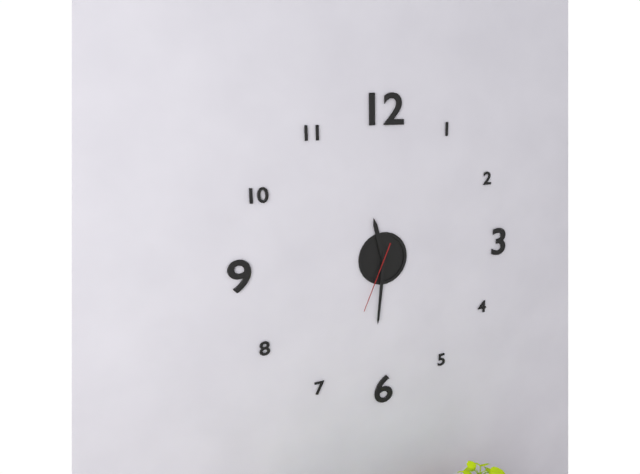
{"hour": 11, "minute": 31, "second": 34}
